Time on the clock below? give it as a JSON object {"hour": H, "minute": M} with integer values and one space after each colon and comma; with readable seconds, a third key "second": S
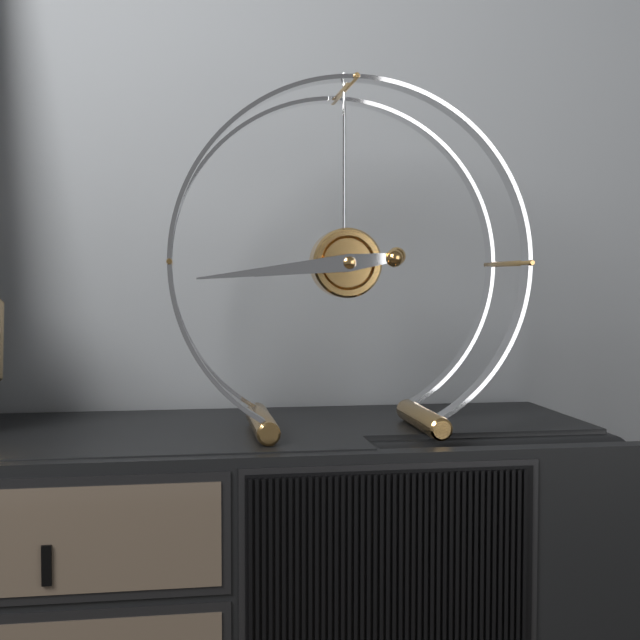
{"hour": 8, "minute": 44}
